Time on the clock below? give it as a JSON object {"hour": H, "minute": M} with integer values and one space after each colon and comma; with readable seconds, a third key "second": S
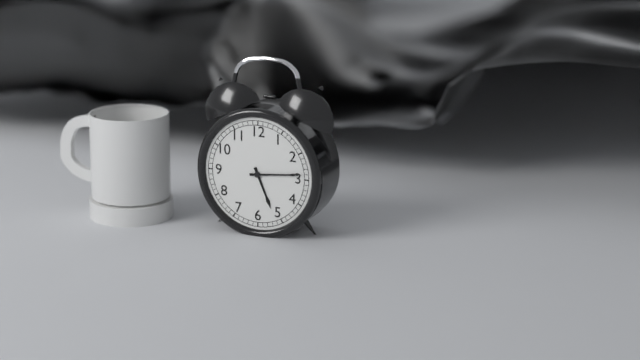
{"hour": 5, "minute": 14}
